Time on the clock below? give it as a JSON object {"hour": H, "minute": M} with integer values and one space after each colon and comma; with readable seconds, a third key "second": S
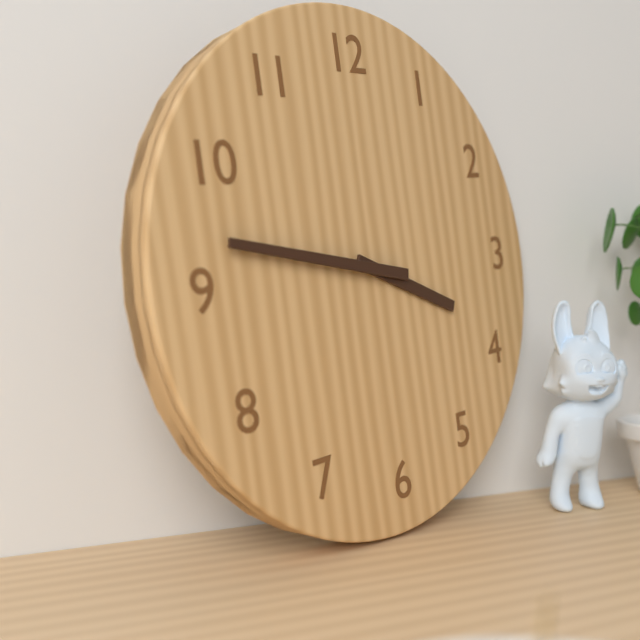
{"hour": 3, "minute": 47}
